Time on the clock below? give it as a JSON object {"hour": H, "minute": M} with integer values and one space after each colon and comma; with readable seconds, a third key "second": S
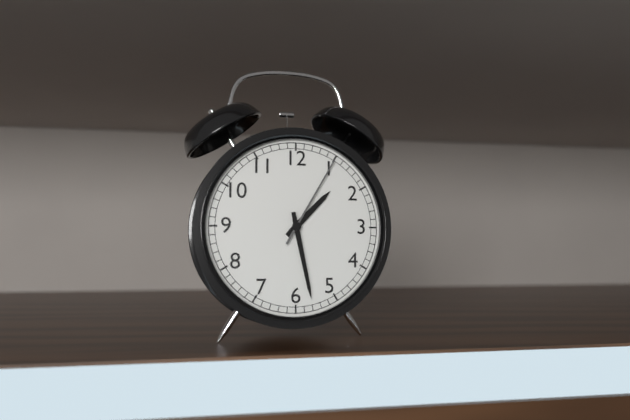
{"hour": 1, "minute": 28, "second": 5}
